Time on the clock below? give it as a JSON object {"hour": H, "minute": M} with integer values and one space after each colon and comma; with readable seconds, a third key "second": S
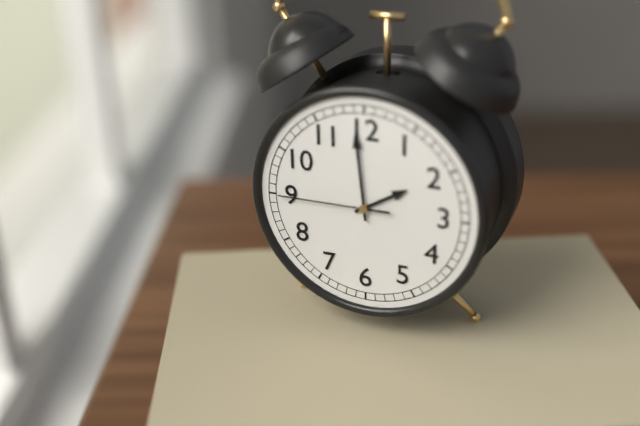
{"hour": 1, "minute": 59, "second": 45}
